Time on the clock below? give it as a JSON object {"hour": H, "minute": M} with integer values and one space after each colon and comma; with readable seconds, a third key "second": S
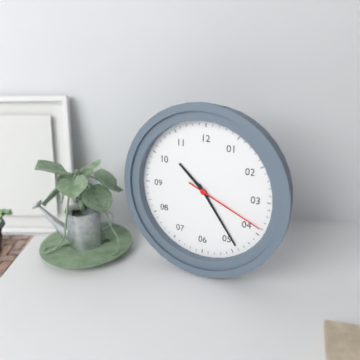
{"hour": 10, "minute": 24, "second": 19}
